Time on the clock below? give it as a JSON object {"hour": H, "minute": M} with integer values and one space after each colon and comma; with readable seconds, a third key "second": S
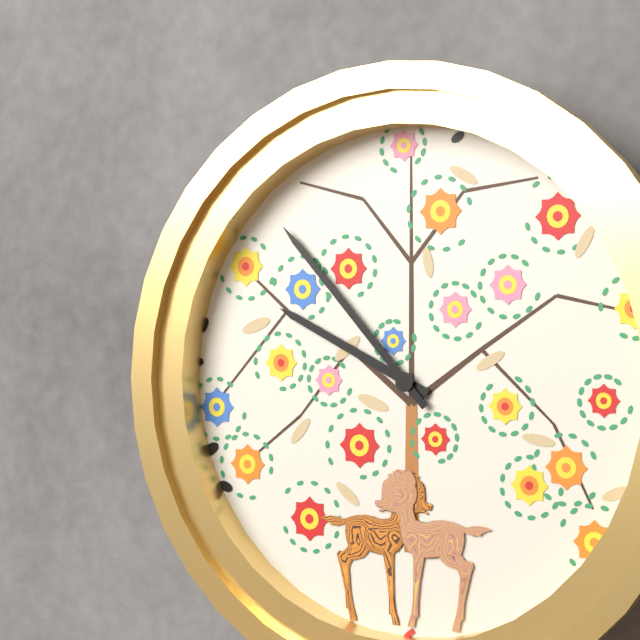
{"hour": 9, "minute": 53}
